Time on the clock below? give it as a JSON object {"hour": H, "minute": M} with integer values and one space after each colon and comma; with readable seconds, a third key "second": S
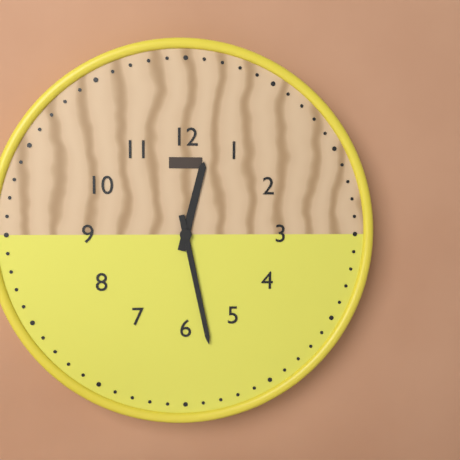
{"hour": 12, "minute": 28}
